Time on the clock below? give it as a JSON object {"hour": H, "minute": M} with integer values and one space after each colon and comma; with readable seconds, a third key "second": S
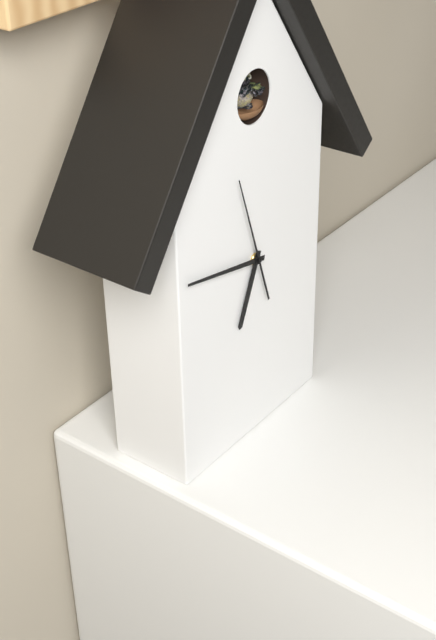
{"hour": 6, "minute": 47, "second": 57}
